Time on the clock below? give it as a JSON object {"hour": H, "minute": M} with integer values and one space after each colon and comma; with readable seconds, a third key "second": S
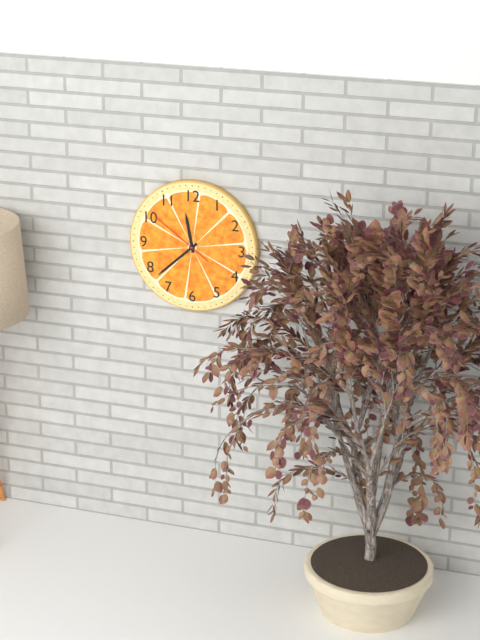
{"hour": 11, "minute": 38, "second": 51}
